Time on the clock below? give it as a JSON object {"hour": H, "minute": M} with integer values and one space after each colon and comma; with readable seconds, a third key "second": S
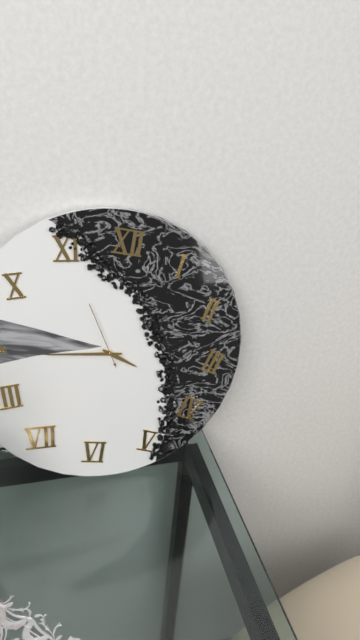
{"hour": 3, "minute": 44, "second": 55}
